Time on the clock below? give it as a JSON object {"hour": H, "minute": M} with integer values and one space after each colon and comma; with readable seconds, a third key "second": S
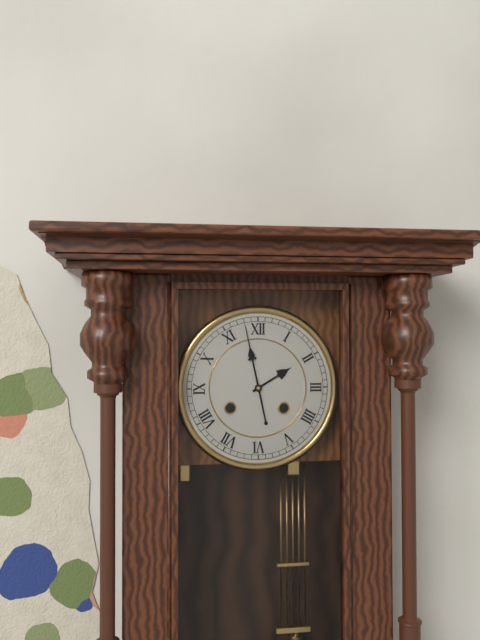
{"hour": 1, "minute": 58}
